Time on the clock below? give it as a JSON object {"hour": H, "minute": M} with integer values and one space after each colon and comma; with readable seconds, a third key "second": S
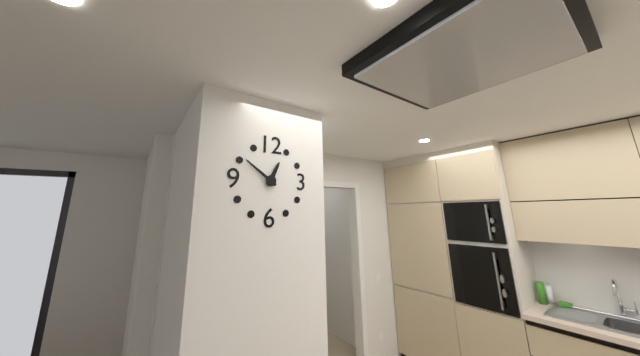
{"hour": 12, "minute": 51}
